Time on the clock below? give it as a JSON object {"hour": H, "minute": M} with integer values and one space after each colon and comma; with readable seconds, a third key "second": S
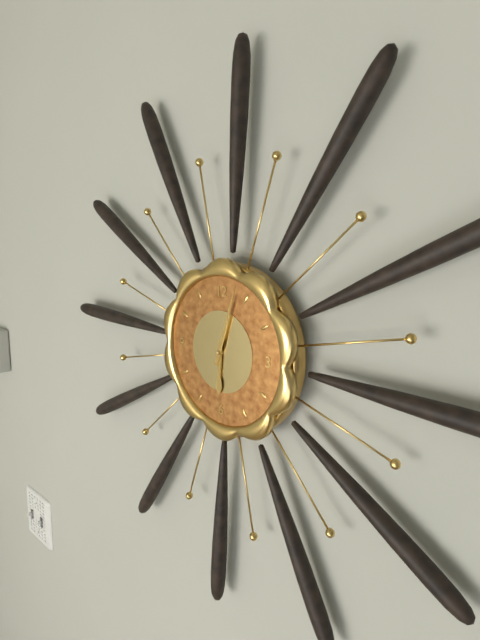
{"hour": 6, "minute": 3}
